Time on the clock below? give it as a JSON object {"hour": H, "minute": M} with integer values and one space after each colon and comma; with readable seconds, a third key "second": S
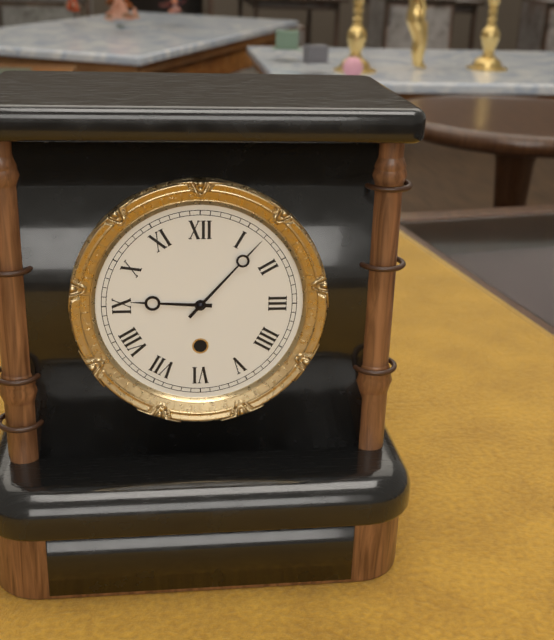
{"hour": 9, "minute": 7}
